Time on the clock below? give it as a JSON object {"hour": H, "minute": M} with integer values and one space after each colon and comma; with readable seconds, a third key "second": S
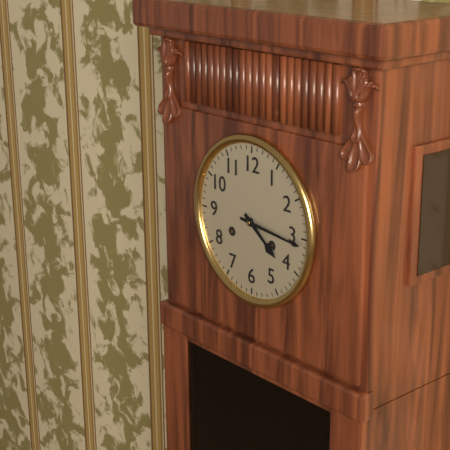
{"hour": 4, "minute": 16}
